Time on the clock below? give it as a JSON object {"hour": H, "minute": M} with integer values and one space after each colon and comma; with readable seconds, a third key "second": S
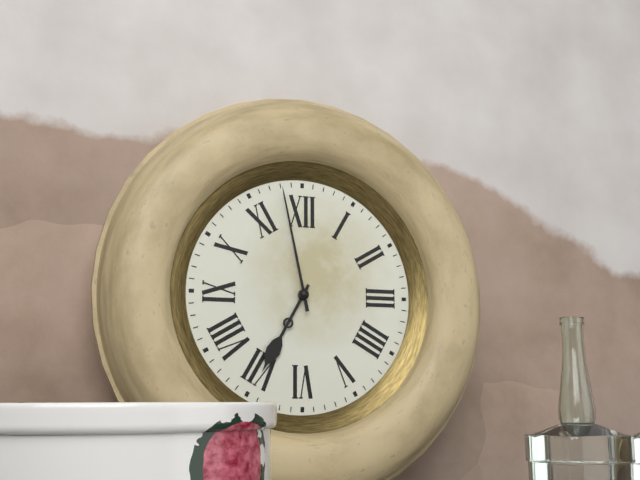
{"hour": 6, "minute": 58}
